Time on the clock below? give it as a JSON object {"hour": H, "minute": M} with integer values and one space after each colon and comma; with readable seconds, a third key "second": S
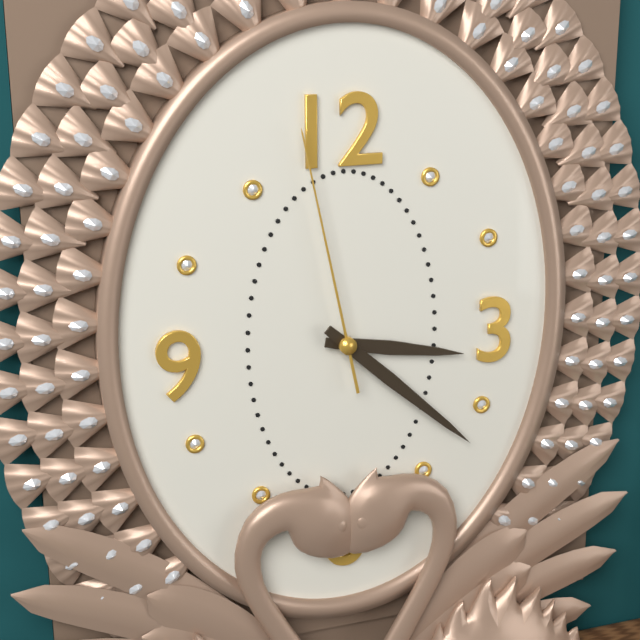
{"hour": 3, "minute": 22, "second": 58}
